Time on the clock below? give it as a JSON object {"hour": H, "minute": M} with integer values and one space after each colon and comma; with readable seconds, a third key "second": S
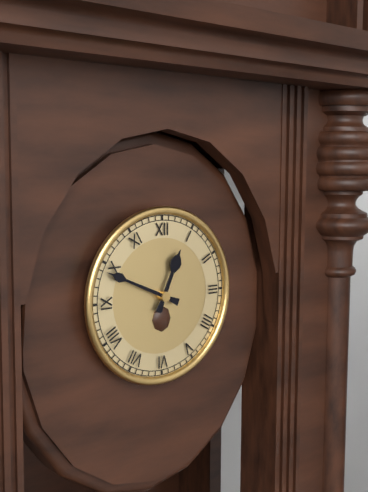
{"hour": 12, "minute": 49}
